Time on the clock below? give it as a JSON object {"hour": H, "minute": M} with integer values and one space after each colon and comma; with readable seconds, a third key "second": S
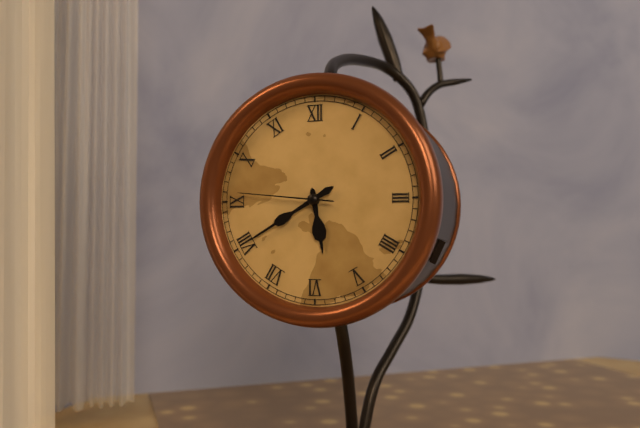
{"hour": 5, "minute": 40, "second": 46}
